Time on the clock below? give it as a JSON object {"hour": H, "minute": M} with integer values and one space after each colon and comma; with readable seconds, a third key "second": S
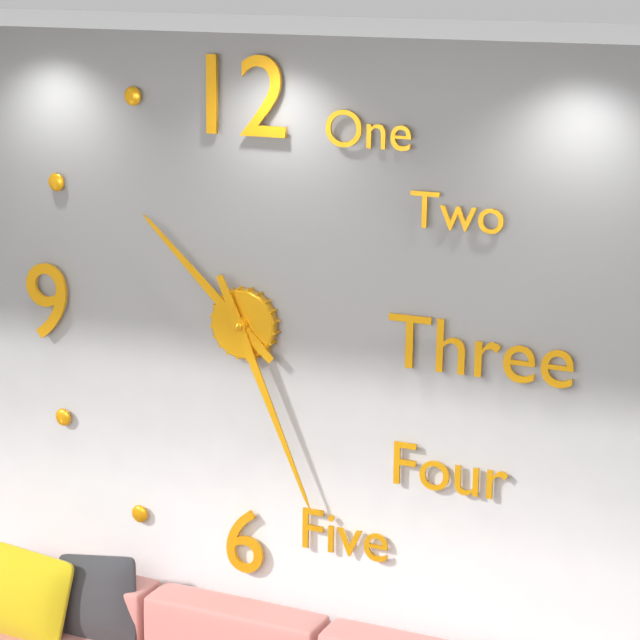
{"hour": 10, "minute": 26}
